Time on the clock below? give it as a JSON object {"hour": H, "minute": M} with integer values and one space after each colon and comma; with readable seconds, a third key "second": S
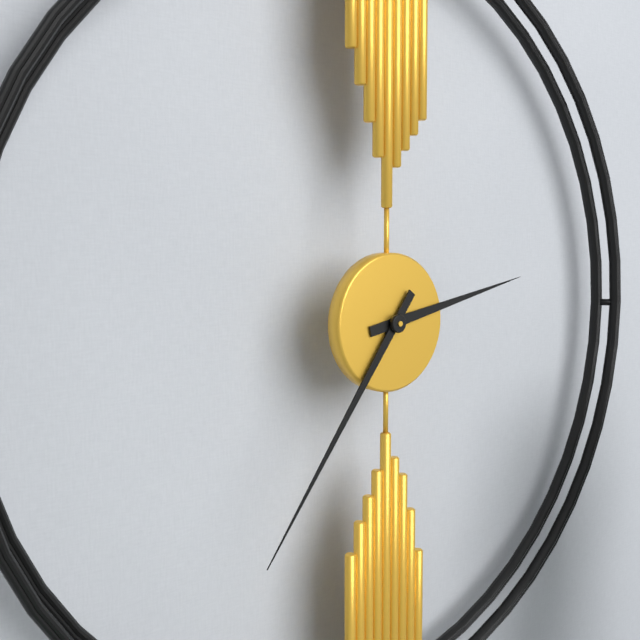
{"hour": 2, "minute": 36}
